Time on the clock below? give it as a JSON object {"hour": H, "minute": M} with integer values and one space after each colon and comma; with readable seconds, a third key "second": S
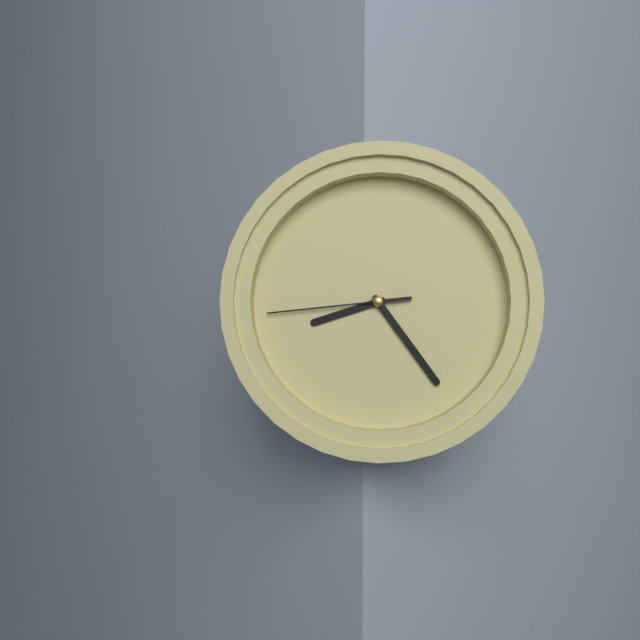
{"hour": 8, "minute": 24, "second": 44}
